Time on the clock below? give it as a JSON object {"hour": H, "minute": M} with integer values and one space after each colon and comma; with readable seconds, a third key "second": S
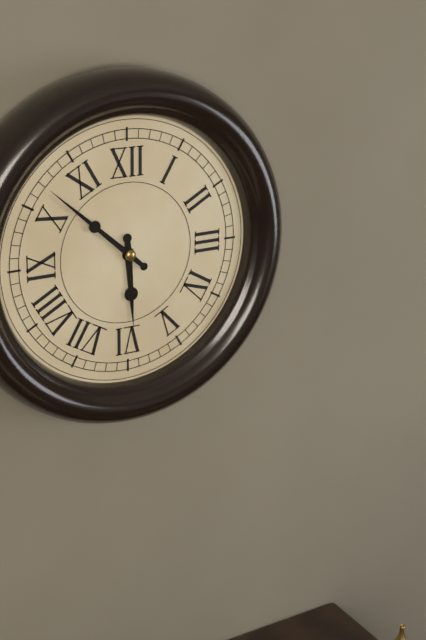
{"hour": 5, "minute": 52}
